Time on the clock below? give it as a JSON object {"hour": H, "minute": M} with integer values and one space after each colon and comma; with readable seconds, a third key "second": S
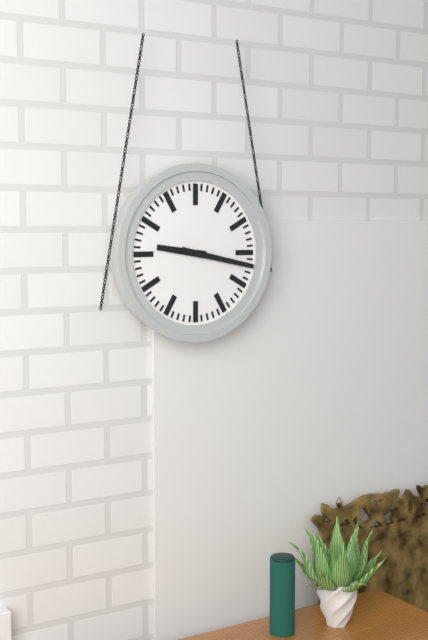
{"hour": 9, "minute": 17}
